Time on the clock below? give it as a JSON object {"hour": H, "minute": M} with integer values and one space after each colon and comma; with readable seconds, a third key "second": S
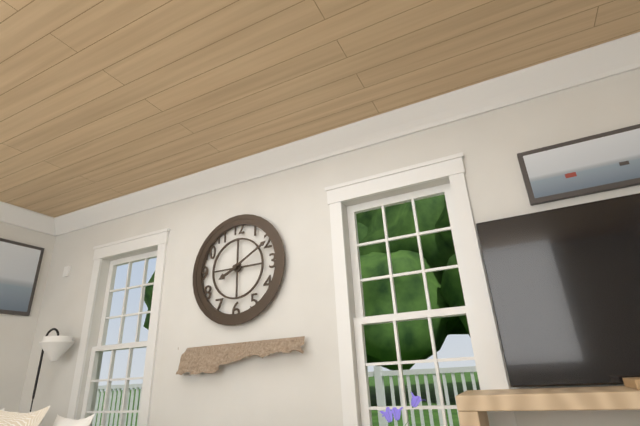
{"hour": 8, "minute": 10}
